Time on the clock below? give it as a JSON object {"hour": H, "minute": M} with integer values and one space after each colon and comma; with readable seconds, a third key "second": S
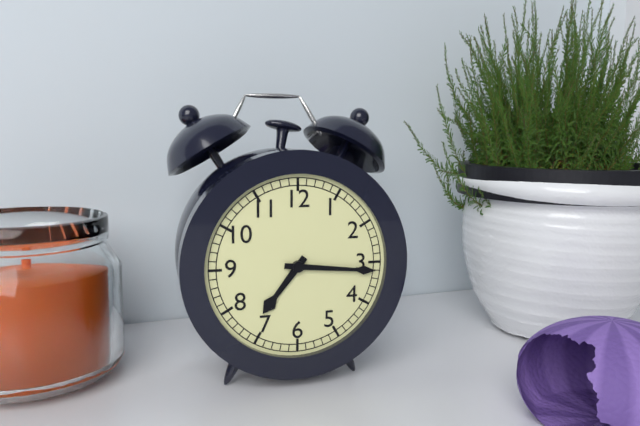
{"hour": 7, "minute": 16}
